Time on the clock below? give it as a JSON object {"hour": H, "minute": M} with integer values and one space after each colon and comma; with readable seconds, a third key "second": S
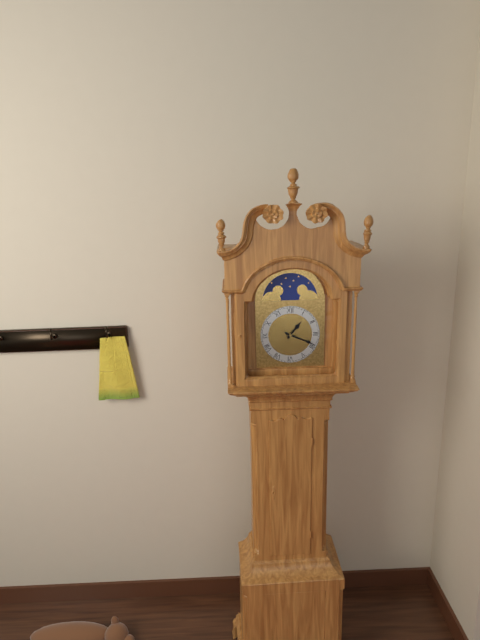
{"hour": 1, "minute": 19}
